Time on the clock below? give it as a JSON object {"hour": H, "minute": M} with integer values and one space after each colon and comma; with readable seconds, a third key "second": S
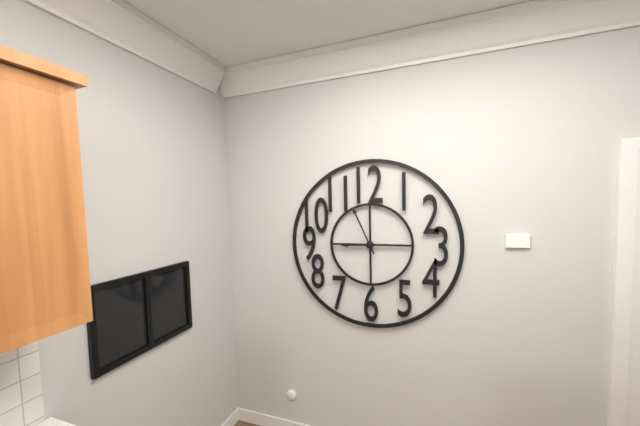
{"hour": 8, "minute": 56}
